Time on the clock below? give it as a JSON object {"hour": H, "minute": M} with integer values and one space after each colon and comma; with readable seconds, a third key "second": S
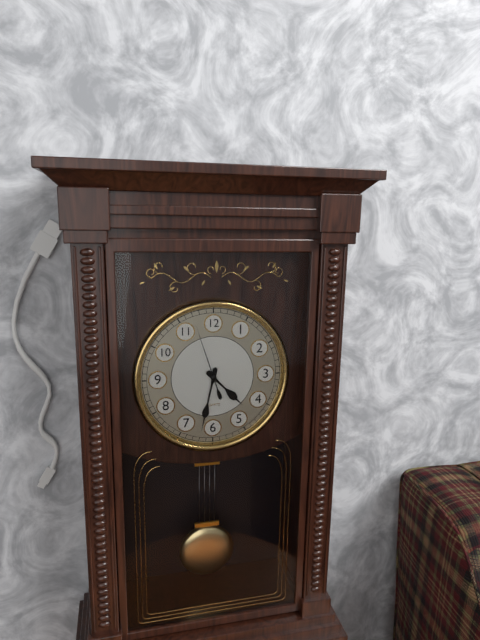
{"hour": 4, "minute": 32, "second": 57}
